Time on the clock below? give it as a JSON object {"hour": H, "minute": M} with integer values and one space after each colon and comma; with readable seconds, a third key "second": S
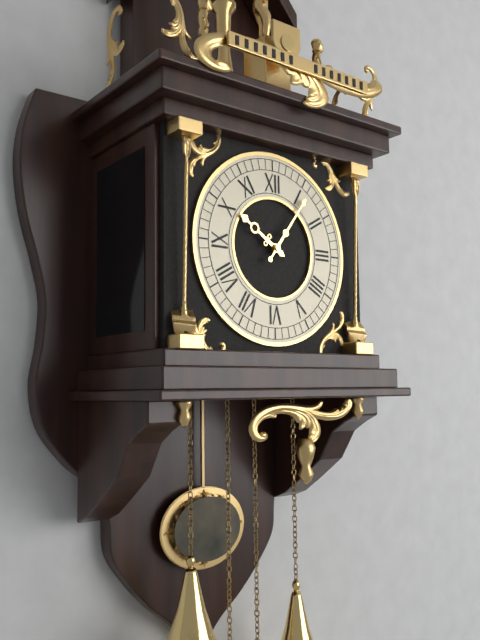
{"hour": 10, "minute": 6}
